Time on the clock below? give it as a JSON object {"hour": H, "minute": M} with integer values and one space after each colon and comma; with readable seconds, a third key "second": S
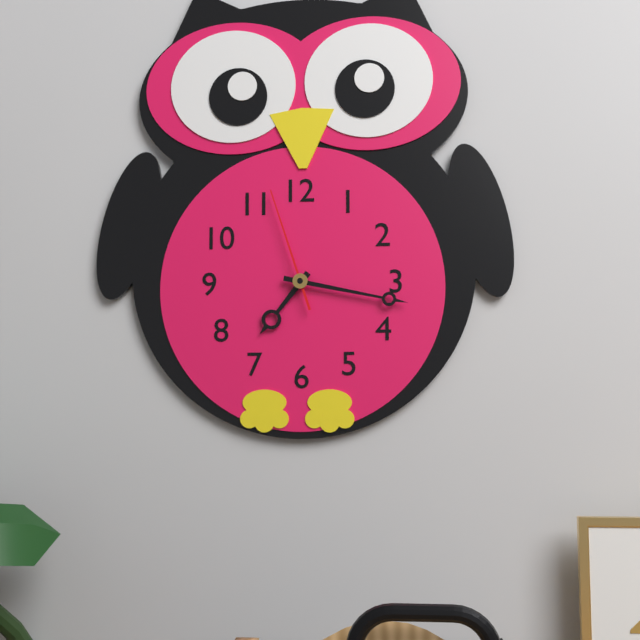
{"hour": 7, "minute": 17, "second": 57}
